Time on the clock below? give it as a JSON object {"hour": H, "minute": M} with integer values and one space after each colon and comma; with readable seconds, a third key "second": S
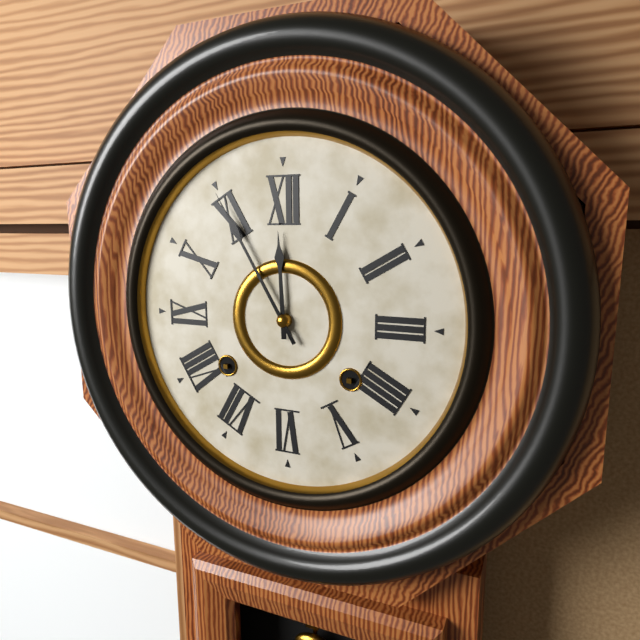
{"hour": 11, "minute": 55}
